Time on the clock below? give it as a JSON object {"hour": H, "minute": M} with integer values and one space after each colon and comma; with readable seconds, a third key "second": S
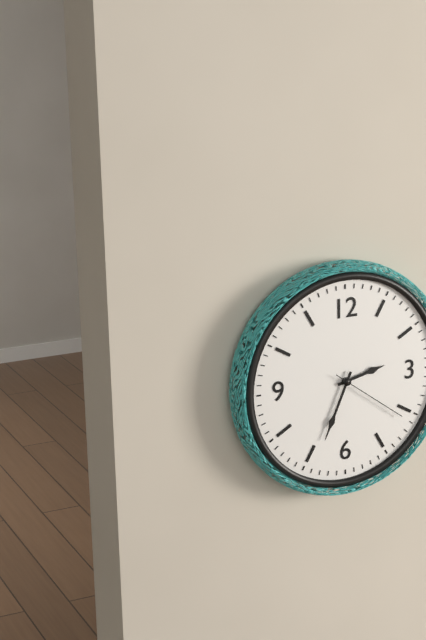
{"hour": 2, "minute": 34, "second": 21}
